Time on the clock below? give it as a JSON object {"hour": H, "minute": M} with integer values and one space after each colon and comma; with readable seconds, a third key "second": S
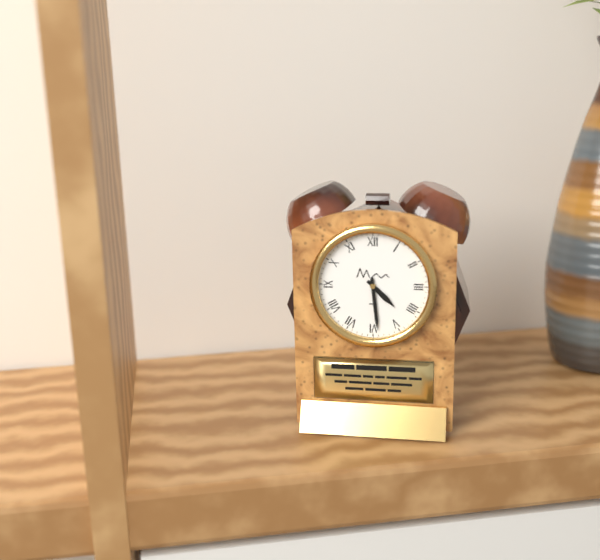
{"hour": 4, "minute": 29}
